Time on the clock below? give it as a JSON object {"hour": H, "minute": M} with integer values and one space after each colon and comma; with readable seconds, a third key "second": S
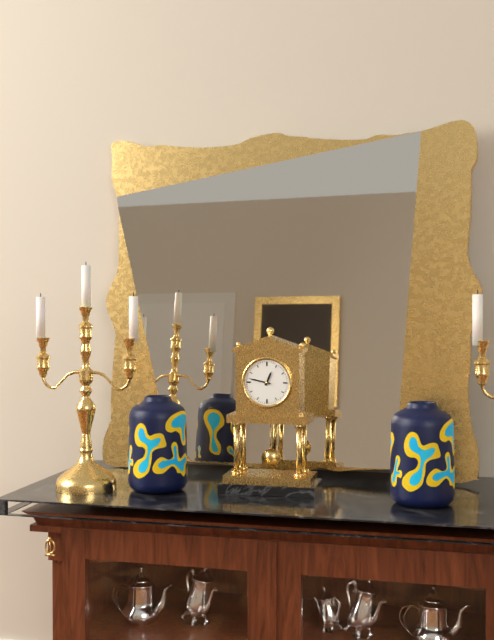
{"hour": 12, "minute": 47}
